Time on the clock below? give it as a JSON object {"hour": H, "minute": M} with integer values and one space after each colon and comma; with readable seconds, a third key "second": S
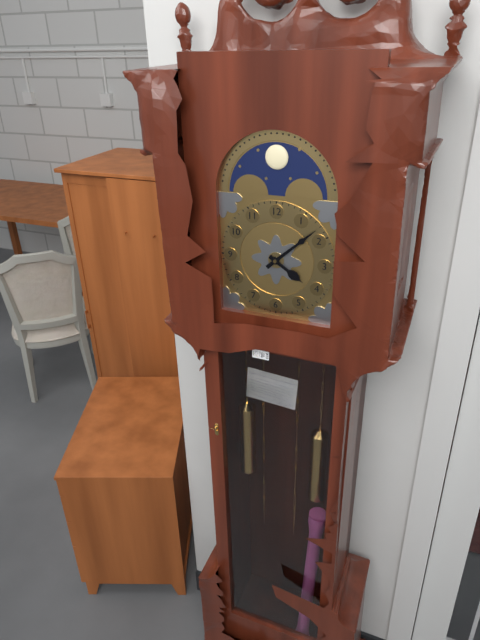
{"hour": 4, "minute": 8}
